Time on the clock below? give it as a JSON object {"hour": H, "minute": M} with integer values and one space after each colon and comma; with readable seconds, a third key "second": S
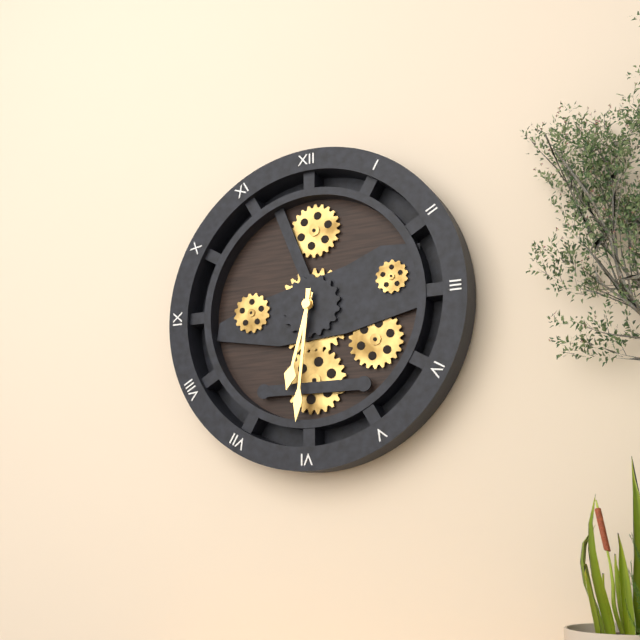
{"hour": 6, "minute": 31}
